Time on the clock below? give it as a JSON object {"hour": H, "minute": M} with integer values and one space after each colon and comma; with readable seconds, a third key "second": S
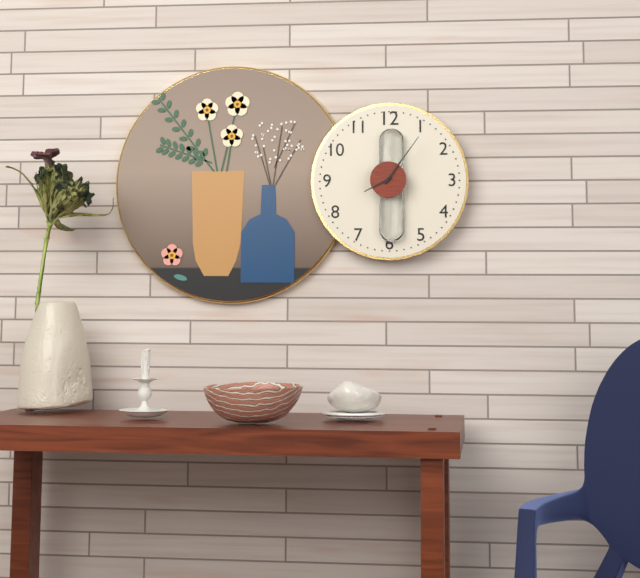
{"hour": 8, "minute": 6}
